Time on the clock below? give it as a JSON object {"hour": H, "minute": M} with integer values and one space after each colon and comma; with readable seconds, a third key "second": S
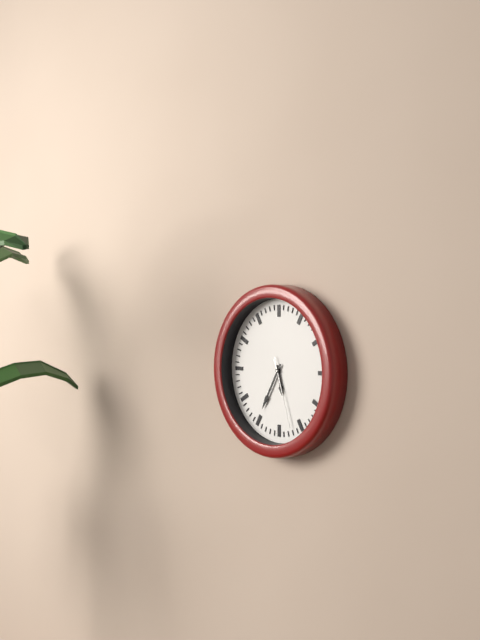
{"hour": 5, "minute": 35, "second": 27}
